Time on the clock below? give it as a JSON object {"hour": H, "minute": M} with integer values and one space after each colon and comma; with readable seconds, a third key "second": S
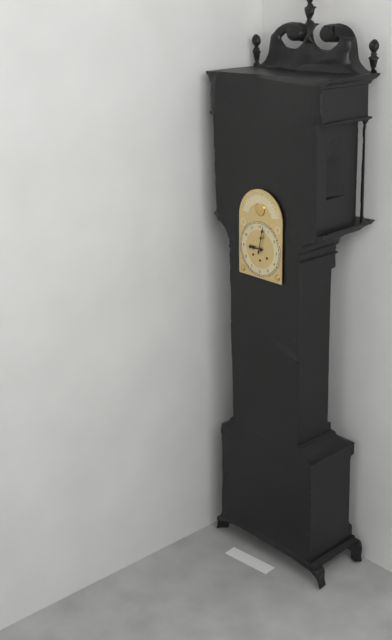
{"hour": 9, "minute": 2}
